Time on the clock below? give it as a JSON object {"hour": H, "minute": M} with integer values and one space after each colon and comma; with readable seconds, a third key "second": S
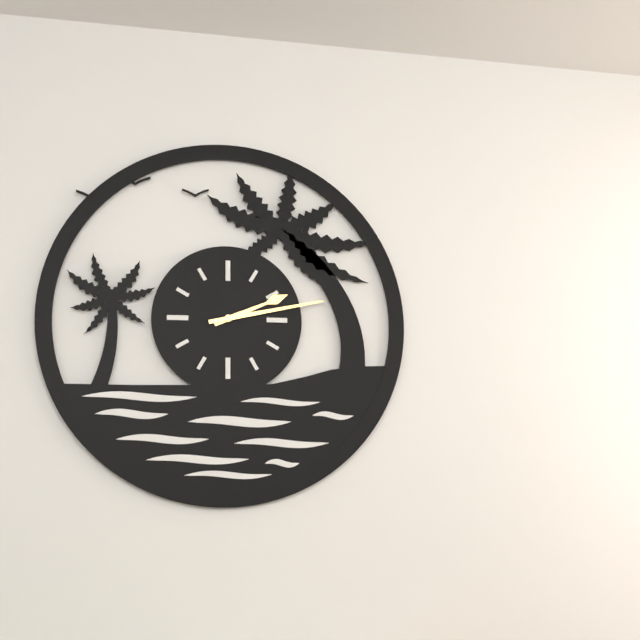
{"hour": 2, "minute": 13}
